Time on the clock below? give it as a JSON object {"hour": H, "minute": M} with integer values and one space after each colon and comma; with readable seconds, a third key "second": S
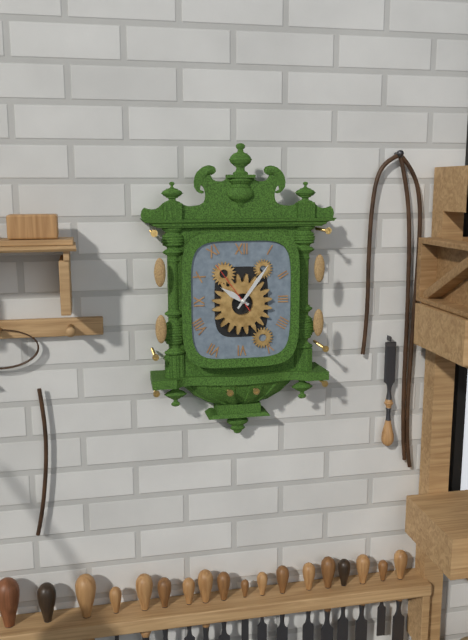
{"hour": 10, "minute": 6, "second": 54}
